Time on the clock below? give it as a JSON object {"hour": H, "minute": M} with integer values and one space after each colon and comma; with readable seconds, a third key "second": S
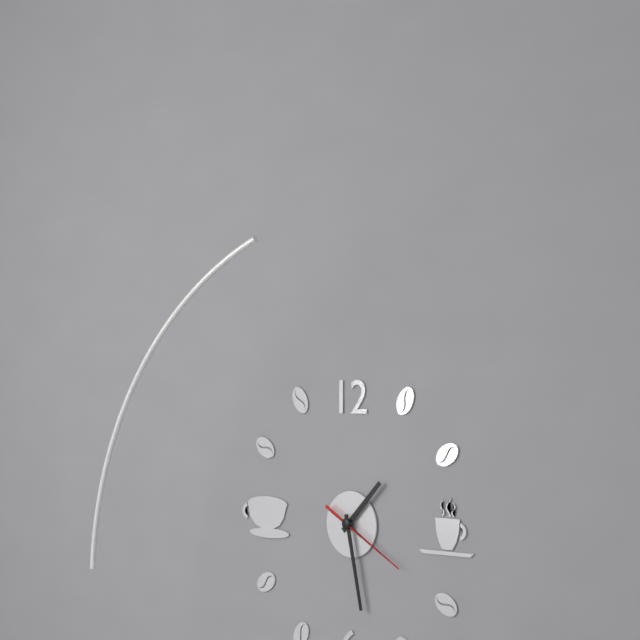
{"hour": 1, "minute": 28, "second": 20}
